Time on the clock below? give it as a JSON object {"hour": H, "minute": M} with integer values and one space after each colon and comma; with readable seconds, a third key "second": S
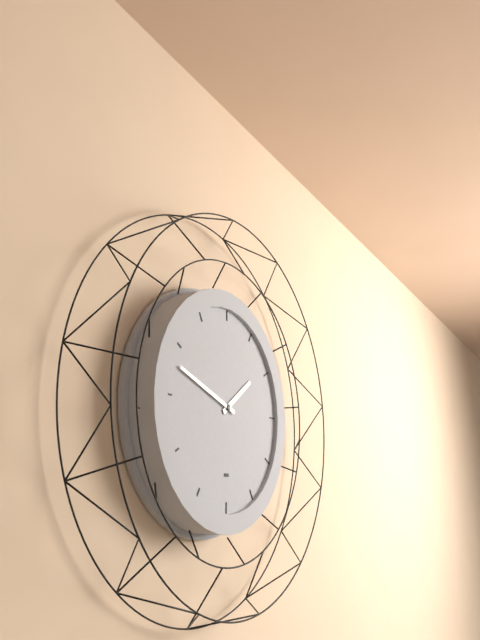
{"hour": 1, "minute": 48}
